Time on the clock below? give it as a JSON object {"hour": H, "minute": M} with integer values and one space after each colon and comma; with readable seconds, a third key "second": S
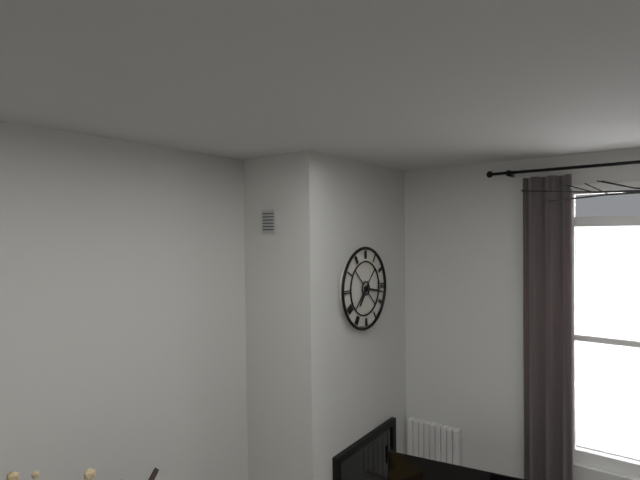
{"hour": 7, "minute": 17}
